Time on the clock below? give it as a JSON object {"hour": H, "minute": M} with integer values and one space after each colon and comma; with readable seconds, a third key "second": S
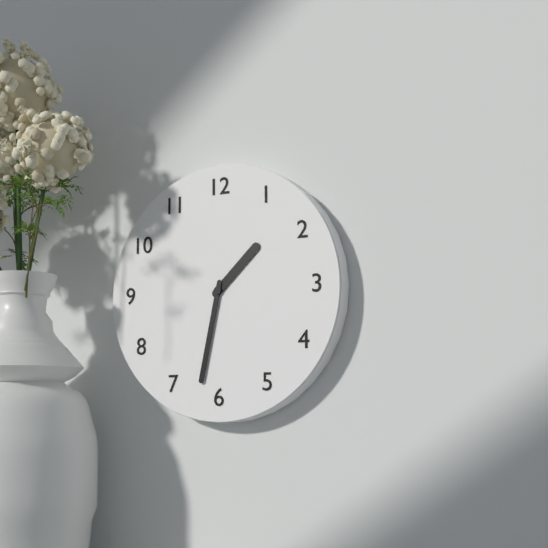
{"hour": 1, "minute": 32}
